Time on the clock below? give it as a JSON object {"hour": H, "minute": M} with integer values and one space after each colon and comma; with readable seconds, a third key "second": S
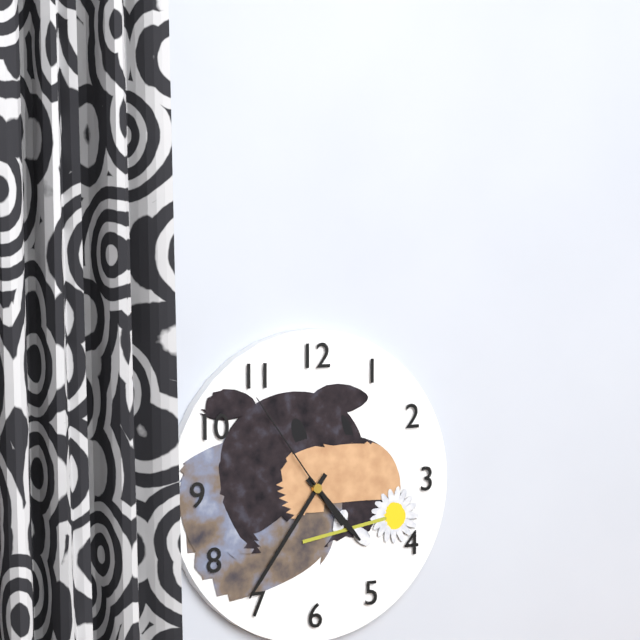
{"hour": 4, "minute": 36, "second": 54}
